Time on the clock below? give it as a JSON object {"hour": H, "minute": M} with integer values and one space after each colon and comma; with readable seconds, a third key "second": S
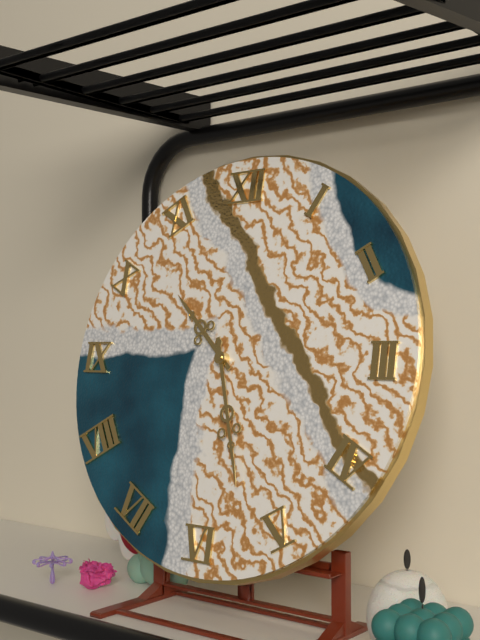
{"hour": 10, "minute": 27}
